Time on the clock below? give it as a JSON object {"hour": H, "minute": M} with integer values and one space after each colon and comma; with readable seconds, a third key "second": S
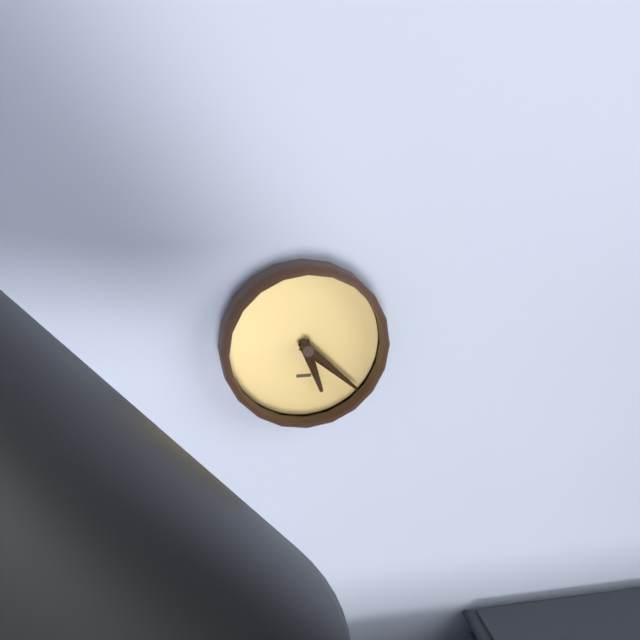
{"hour": 5, "minute": 22}
